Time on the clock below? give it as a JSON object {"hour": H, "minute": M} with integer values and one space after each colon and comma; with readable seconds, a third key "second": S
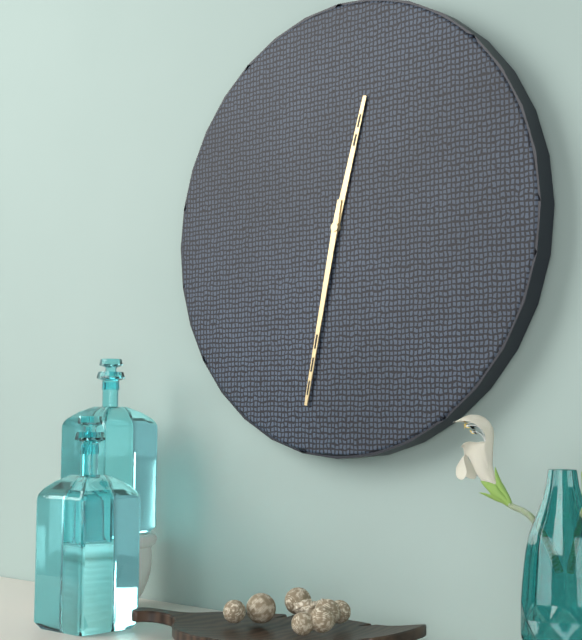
{"hour": 12, "minute": 32}
